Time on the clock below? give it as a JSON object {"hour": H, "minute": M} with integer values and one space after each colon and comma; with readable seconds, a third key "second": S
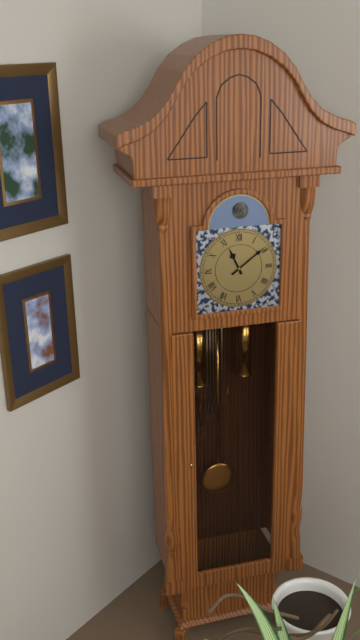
{"hour": 11, "minute": 9}
